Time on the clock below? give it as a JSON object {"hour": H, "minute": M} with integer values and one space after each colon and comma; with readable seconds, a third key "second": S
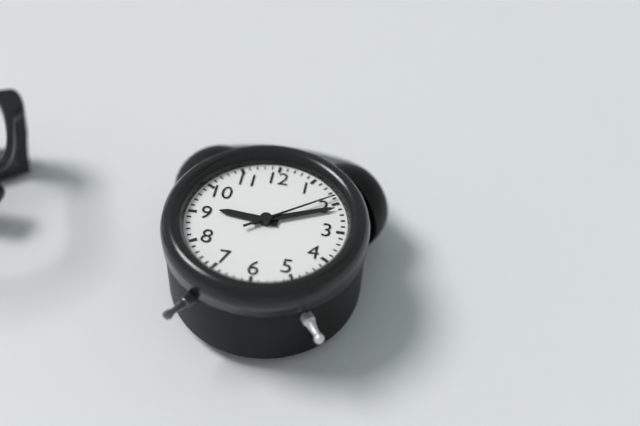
{"hour": 9, "minute": 11, "second": 9}
